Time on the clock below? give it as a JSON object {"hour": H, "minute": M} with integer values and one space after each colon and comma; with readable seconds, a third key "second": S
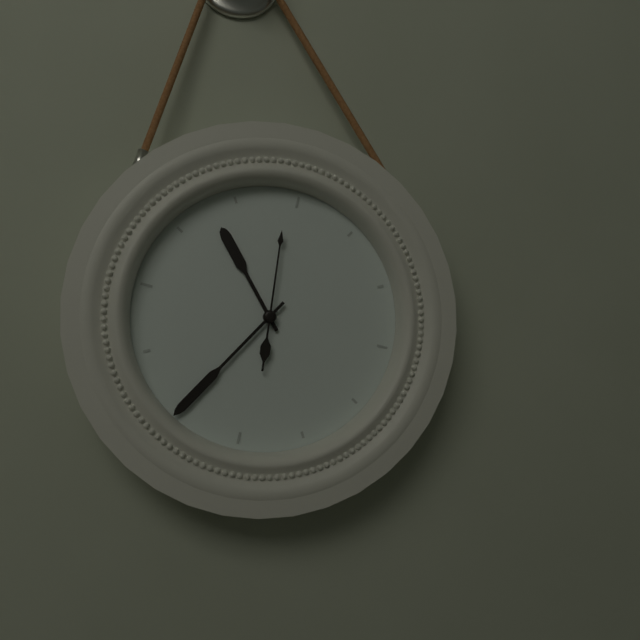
{"hour": 10, "minute": 35, "second": 59}
